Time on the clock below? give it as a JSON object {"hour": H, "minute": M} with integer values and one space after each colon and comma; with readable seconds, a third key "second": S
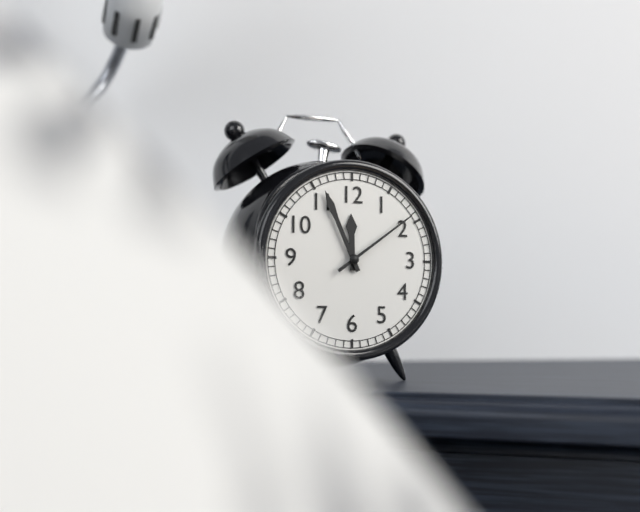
{"hour": 11, "minute": 56, "second": 9}
